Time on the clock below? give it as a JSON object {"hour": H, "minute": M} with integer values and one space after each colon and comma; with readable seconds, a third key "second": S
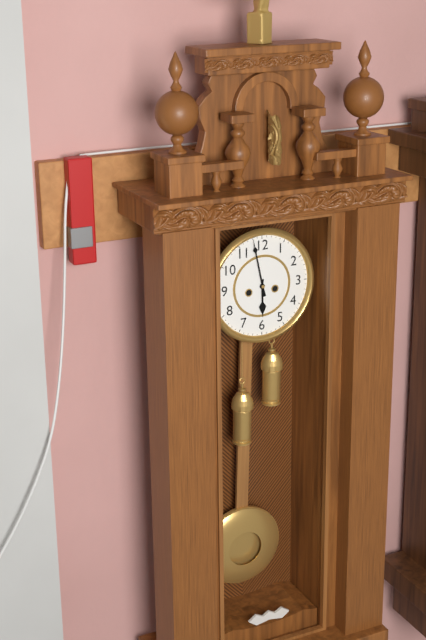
{"hour": 5, "minute": 58}
